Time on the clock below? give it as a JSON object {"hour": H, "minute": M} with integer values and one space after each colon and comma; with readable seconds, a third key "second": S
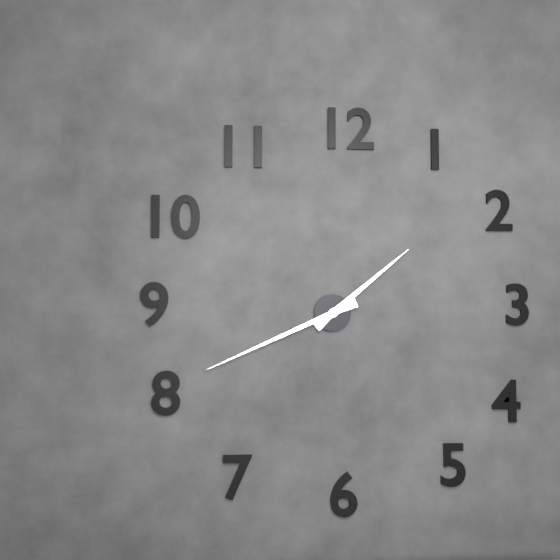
{"hour": 1, "minute": 41}
